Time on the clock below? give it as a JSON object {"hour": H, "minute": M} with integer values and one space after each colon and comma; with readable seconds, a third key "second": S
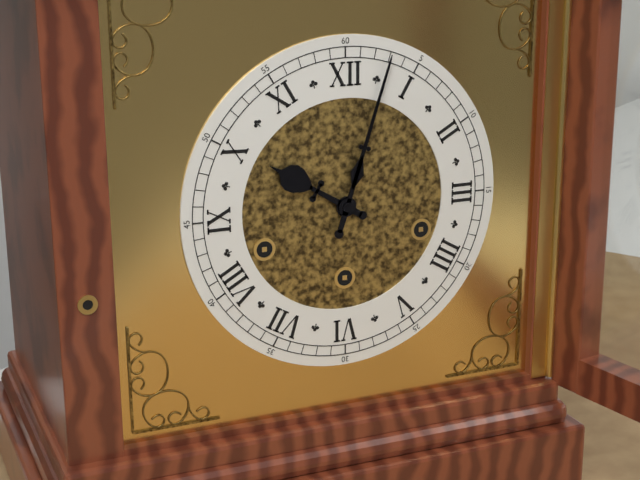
{"hour": 10, "minute": 3}
